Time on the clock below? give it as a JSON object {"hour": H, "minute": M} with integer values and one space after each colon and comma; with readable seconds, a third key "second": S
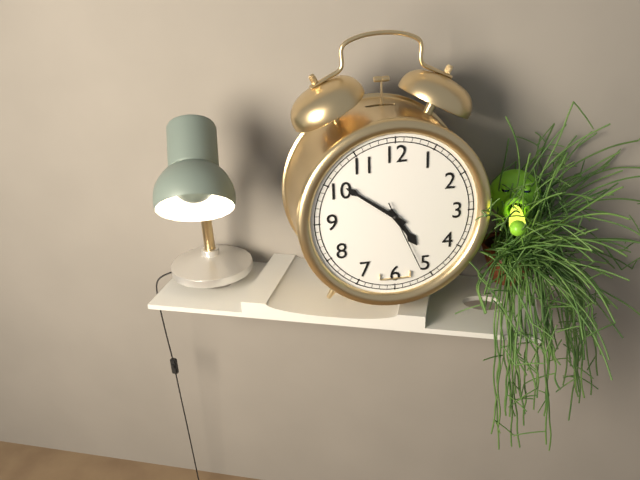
{"hour": 4, "minute": 51, "second": 26}
